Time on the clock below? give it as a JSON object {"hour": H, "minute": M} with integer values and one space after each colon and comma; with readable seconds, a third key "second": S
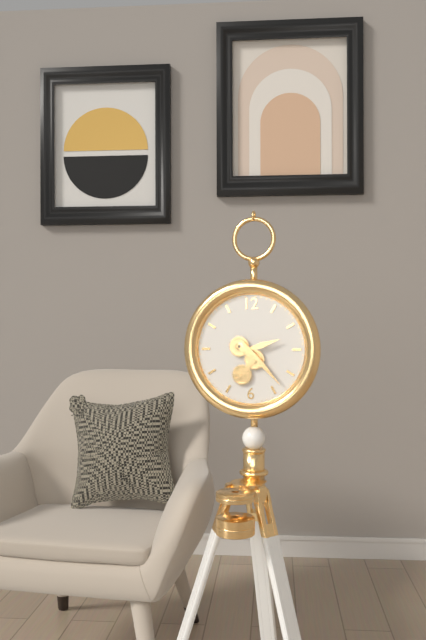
{"hour": 2, "minute": 23}
